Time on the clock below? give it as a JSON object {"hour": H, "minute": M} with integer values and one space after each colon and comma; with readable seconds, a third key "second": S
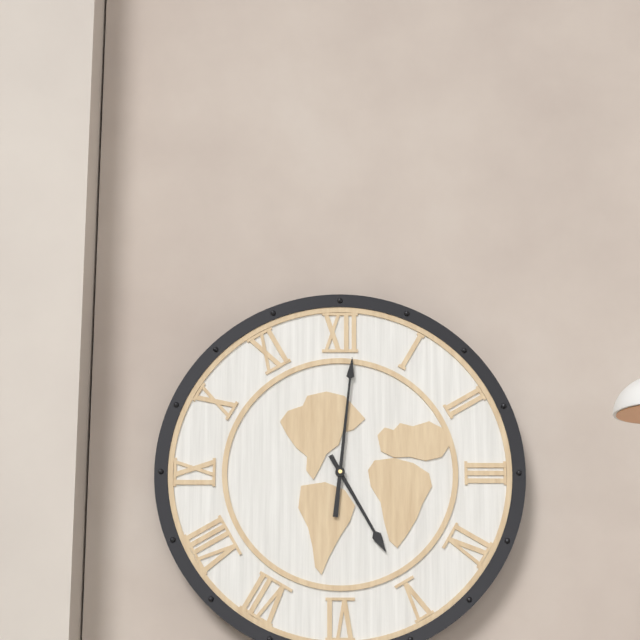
{"hour": 5, "minute": 1}
